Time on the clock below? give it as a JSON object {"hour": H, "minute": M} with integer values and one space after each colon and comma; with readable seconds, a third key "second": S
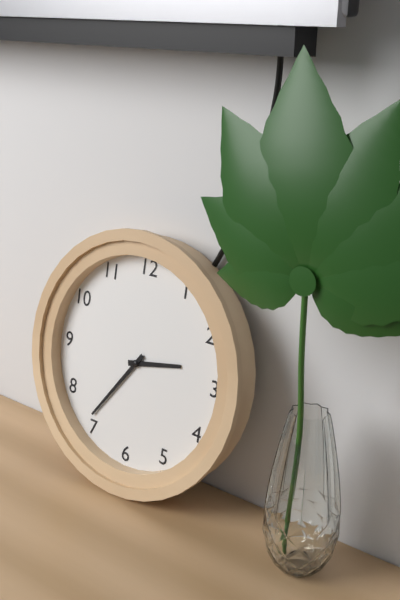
{"hour": 2, "minute": 36}
